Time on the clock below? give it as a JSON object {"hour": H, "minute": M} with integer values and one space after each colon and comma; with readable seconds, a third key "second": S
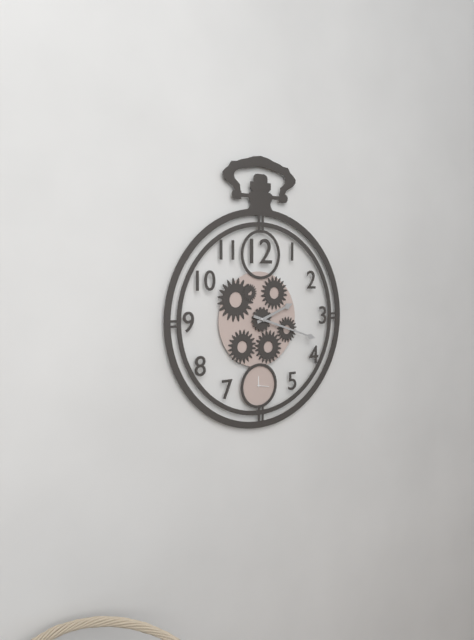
{"hour": 2, "minute": 18}
